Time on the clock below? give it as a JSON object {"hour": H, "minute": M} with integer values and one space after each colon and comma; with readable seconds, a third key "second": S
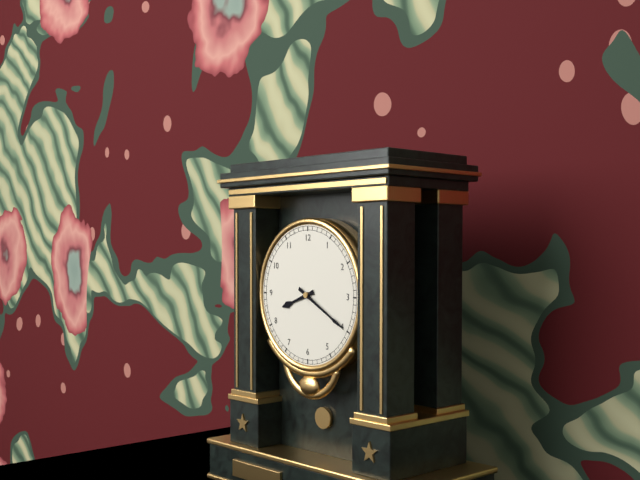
{"hour": 8, "minute": 20}
